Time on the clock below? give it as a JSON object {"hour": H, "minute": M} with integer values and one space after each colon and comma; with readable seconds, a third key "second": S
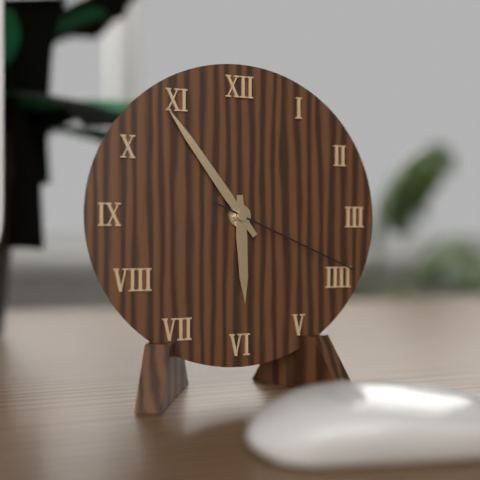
{"hour": 5, "minute": 54, "second": 19}
